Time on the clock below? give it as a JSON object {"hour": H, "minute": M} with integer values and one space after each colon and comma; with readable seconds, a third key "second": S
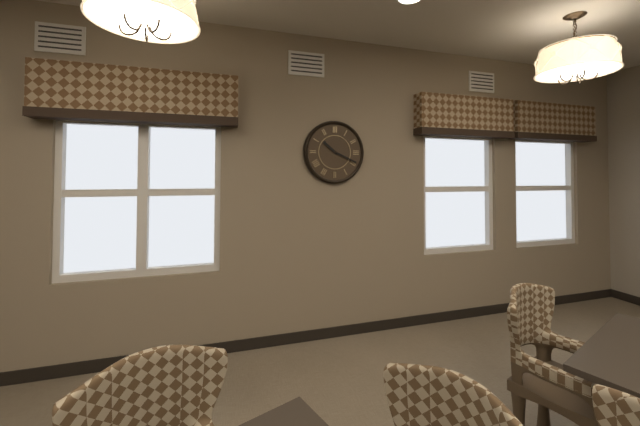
{"hour": 10, "minute": 19}
